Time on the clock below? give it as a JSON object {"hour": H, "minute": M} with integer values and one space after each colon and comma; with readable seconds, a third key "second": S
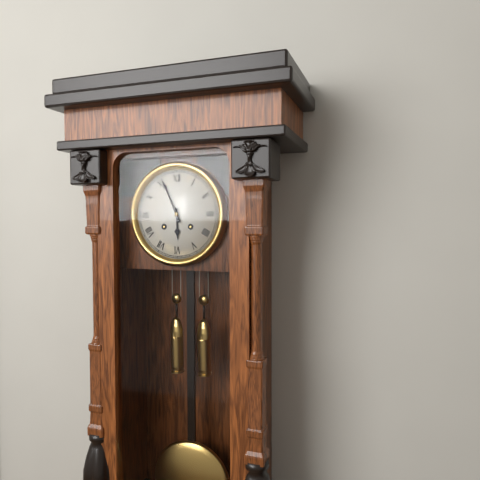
{"hour": 5, "minute": 56}
